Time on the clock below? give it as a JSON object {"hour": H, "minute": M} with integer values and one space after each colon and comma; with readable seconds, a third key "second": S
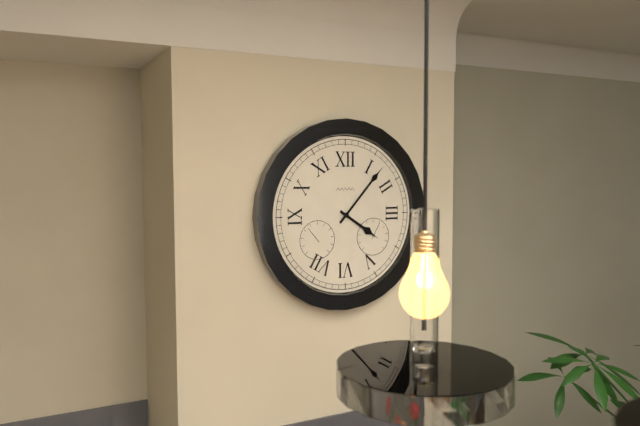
{"hour": 4, "minute": 7}
